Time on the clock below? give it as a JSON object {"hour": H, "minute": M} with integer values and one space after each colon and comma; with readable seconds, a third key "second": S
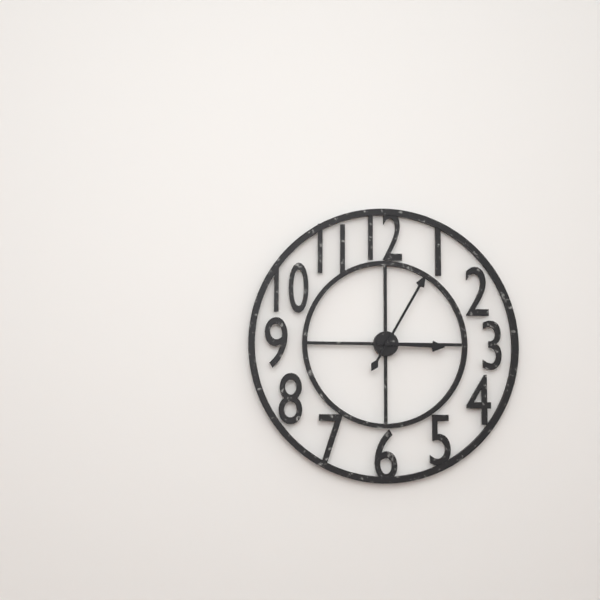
{"hour": 3, "minute": 5}
